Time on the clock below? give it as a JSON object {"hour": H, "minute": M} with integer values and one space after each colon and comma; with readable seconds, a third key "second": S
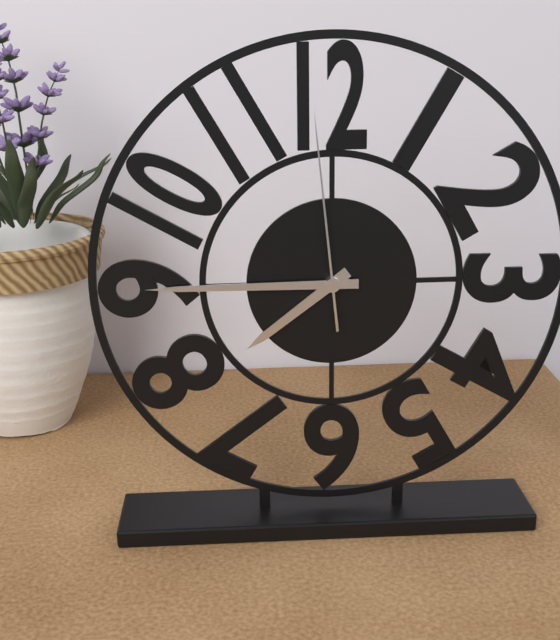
{"hour": 7, "minute": 45, "second": 59}
